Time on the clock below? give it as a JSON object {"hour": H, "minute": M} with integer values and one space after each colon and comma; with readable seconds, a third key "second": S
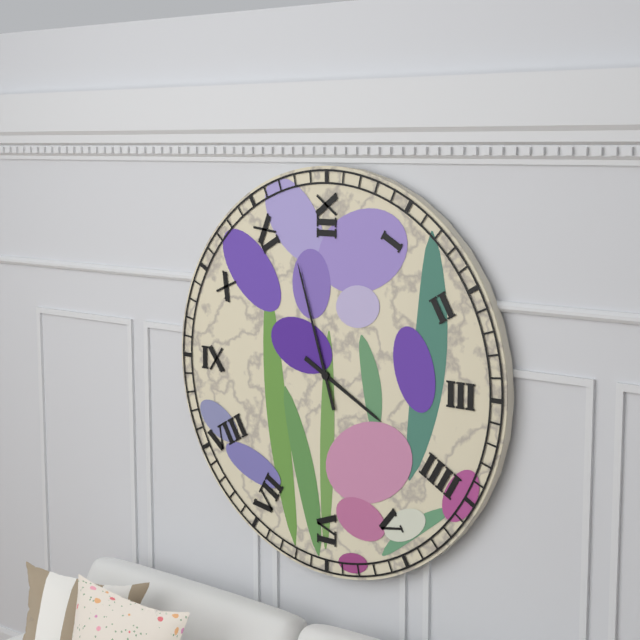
{"hour": 3, "minute": 57}
